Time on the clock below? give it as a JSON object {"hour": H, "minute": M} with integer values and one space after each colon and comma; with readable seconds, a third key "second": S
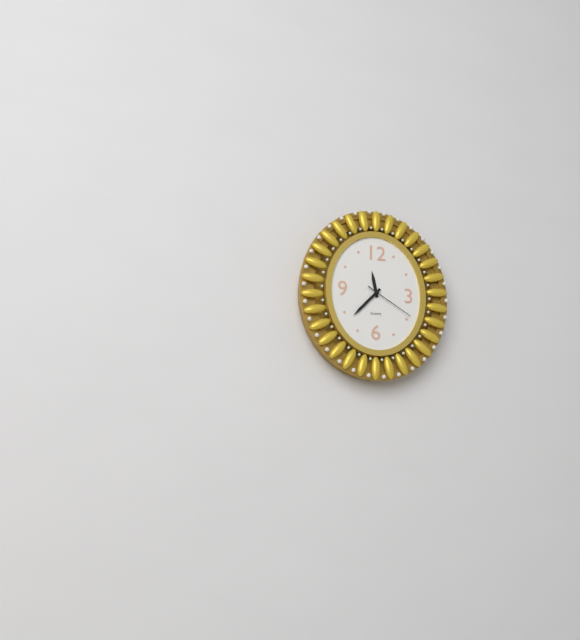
{"hour": 11, "minute": 37, "second": 20}
